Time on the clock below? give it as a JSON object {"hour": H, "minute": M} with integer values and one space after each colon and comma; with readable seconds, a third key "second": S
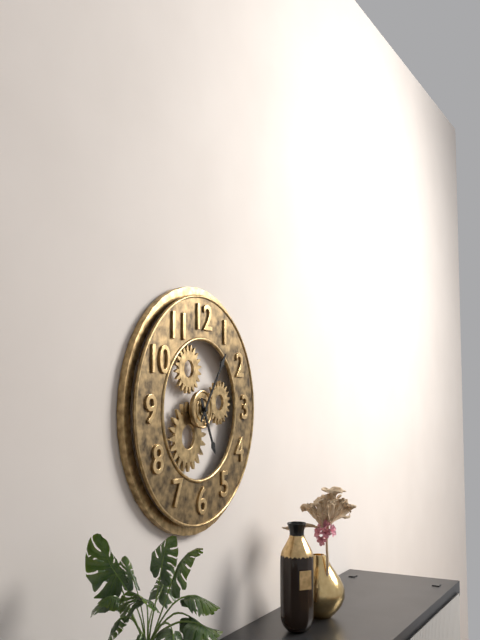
{"hour": 5, "minute": 6}
